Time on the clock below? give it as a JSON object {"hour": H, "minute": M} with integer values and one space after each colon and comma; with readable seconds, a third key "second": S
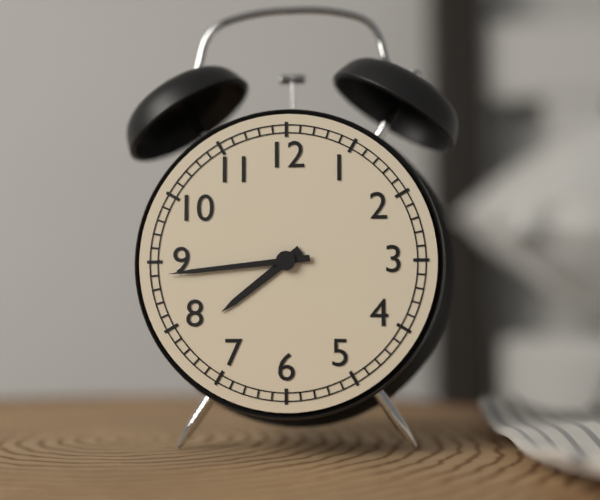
{"hour": 7, "minute": 44}
